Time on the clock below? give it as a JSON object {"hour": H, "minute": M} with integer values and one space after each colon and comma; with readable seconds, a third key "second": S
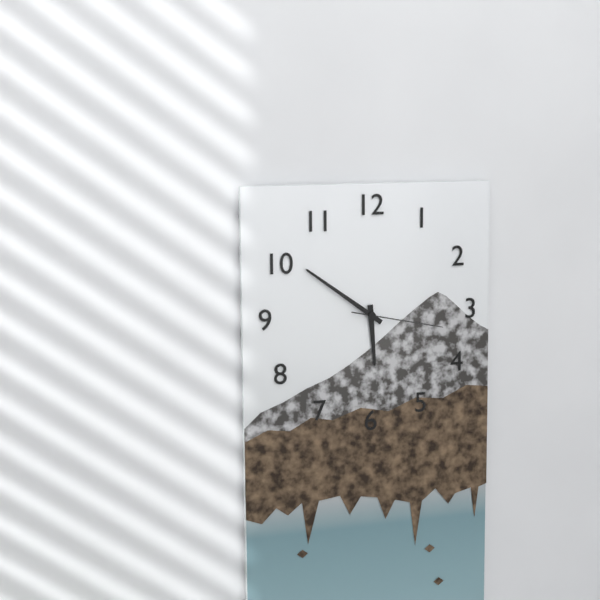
{"hour": 5, "minute": 51, "second": 17}
